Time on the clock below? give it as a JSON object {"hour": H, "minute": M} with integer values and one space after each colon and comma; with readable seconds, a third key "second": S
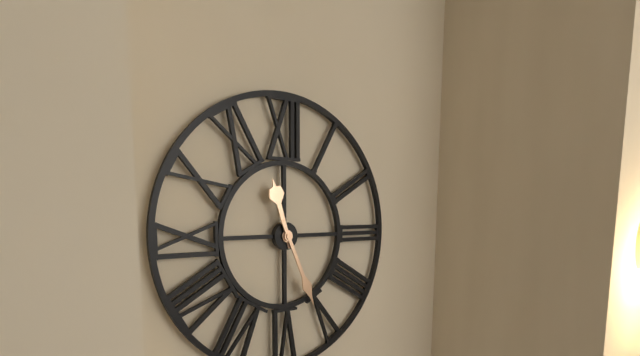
{"hour": 11, "minute": 26}
